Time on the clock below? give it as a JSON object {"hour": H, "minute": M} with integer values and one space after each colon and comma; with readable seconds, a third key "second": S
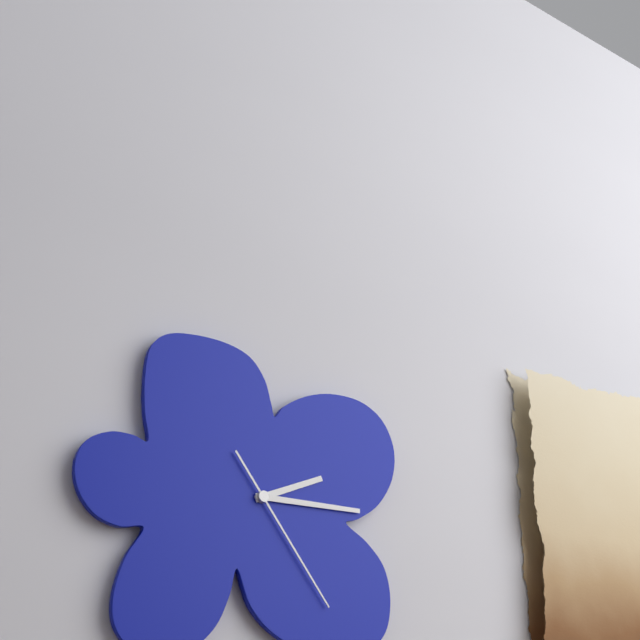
{"hour": 2, "minute": 15, "second": 24}
